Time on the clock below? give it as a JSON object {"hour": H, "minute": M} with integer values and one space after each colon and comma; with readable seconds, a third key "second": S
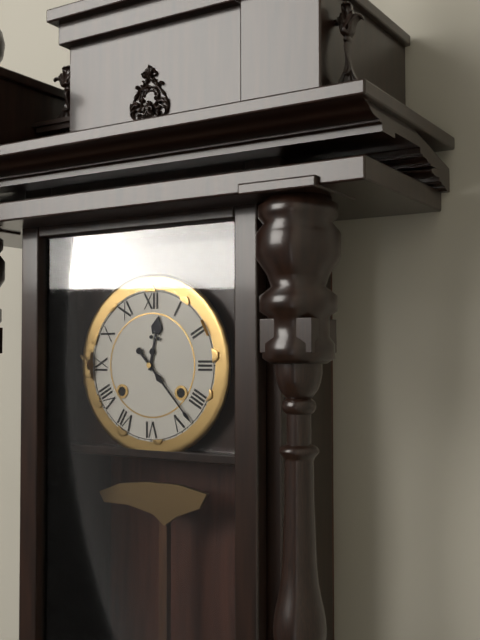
{"hour": 12, "minute": 23}
